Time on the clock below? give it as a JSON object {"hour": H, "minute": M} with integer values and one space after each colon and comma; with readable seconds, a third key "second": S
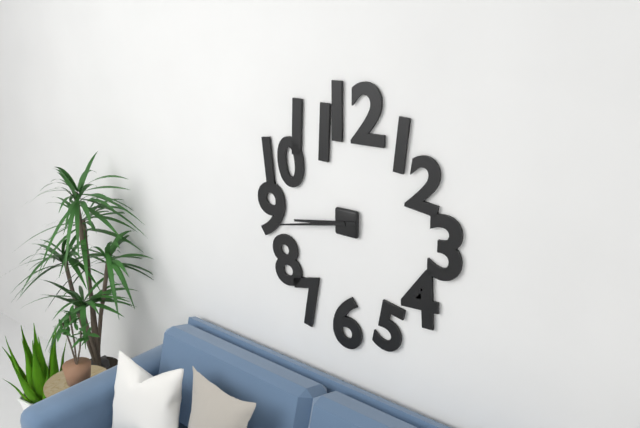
{"hour": 8, "minute": 43}
